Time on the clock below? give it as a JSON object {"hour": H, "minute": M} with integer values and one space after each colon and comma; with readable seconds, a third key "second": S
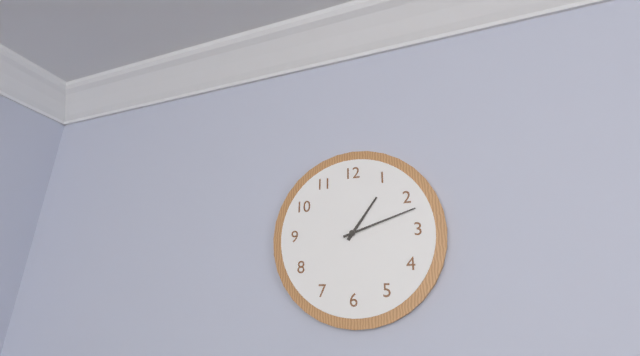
{"hour": 1, "minute": 12}
